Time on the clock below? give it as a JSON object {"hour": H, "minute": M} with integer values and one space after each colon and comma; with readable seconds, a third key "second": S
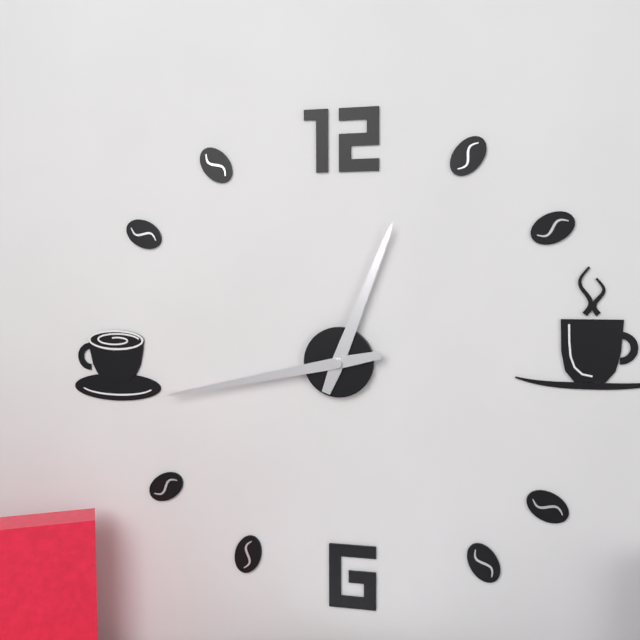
{"hour": 12, "minute": 43}
